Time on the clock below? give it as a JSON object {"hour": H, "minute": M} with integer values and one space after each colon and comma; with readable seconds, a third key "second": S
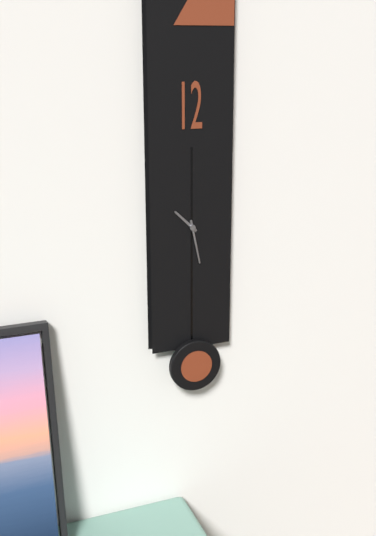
{"hour": 10, "minute": 28}
